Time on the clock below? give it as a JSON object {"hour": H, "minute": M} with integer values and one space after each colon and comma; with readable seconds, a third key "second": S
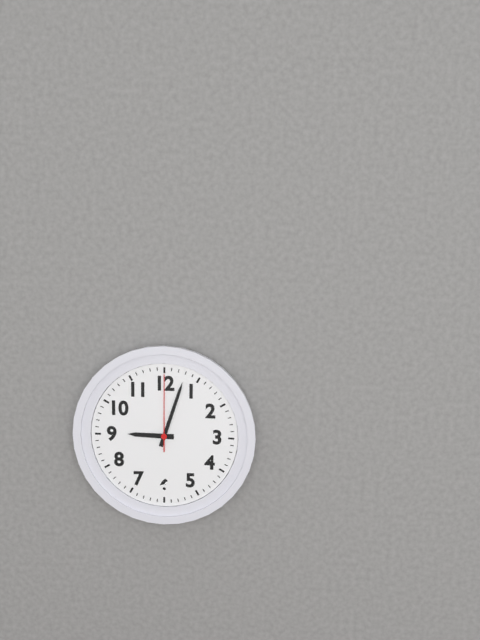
{"hour": 9, "minute": 3, "second": 0}
